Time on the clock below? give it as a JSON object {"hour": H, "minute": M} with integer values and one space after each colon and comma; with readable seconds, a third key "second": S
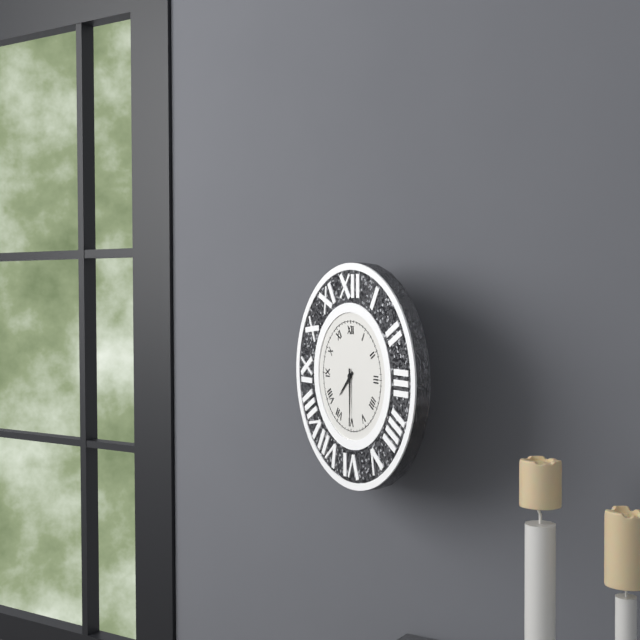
{"hour": 7, "minute": 30}
